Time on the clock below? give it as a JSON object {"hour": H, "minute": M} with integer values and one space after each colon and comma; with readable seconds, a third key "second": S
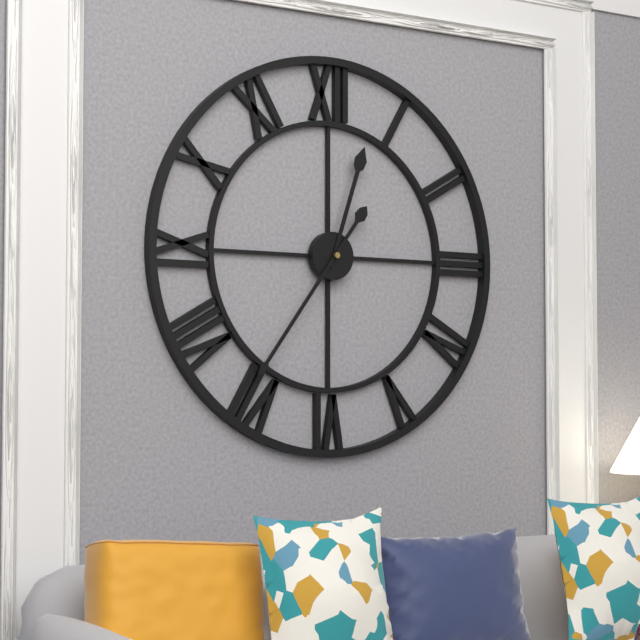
{"hour": 12, "minute": 36}
